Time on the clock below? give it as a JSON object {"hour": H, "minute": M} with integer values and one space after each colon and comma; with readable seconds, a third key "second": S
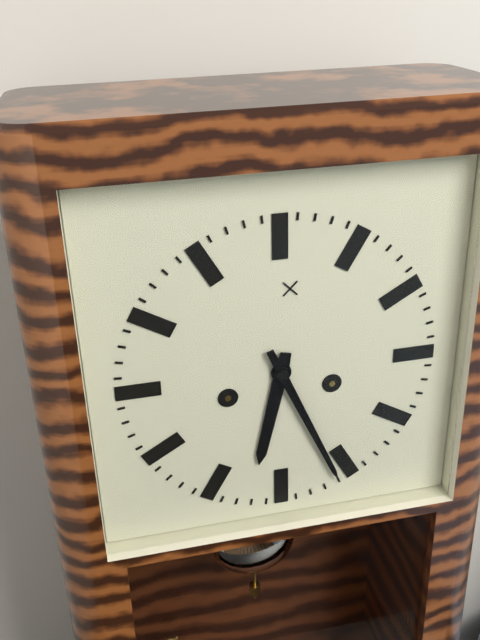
{"hour": 6, "minute": 26}
